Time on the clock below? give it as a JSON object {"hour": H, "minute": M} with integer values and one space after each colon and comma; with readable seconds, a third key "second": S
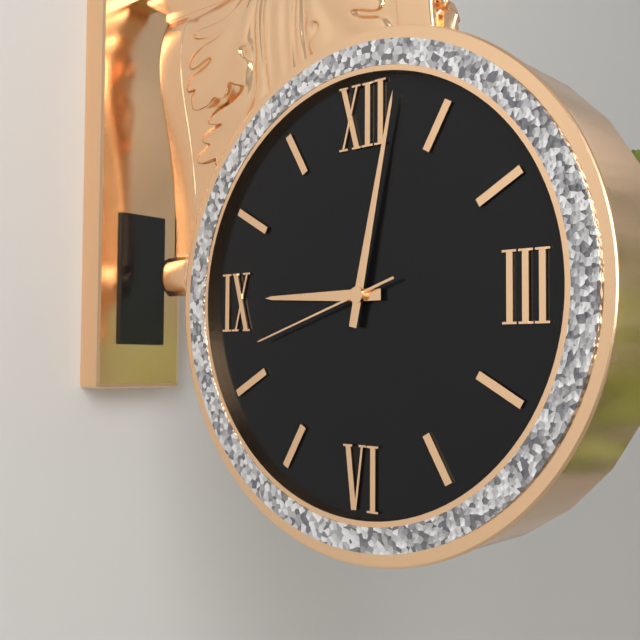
{"hour": 9, "minute": 2, "second": 42}
